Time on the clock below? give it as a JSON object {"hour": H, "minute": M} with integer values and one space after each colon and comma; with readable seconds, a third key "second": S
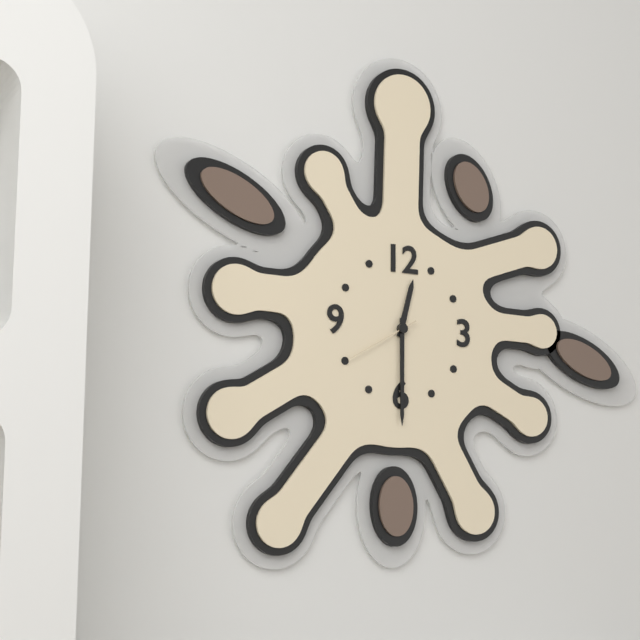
{"hour": 12, "minute": 30, "second": 40}
